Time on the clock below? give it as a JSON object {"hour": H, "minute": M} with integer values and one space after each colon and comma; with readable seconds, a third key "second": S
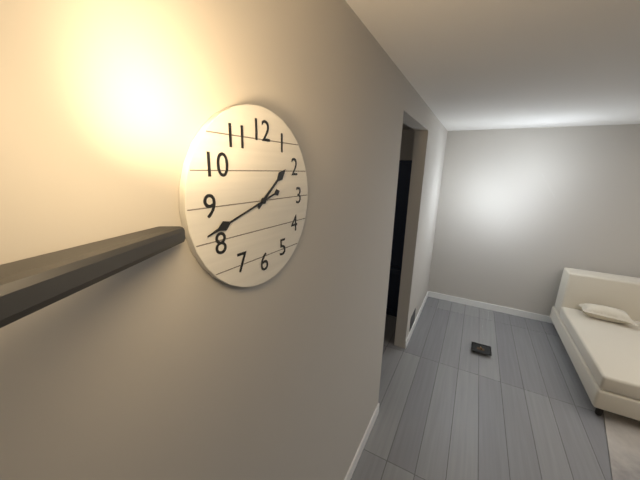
{"hour": 1, "minute": 42}
